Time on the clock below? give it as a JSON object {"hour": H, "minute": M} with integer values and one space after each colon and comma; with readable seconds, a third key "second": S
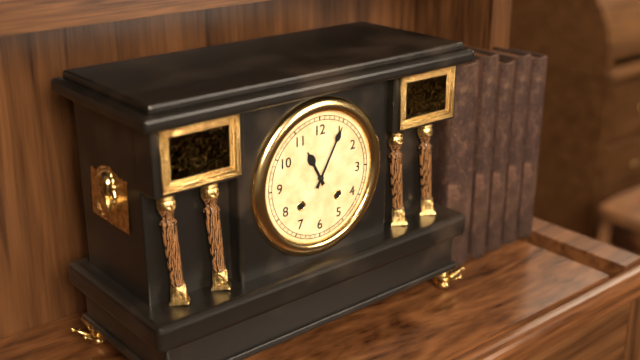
{"hour": 11, "minute": 5}
